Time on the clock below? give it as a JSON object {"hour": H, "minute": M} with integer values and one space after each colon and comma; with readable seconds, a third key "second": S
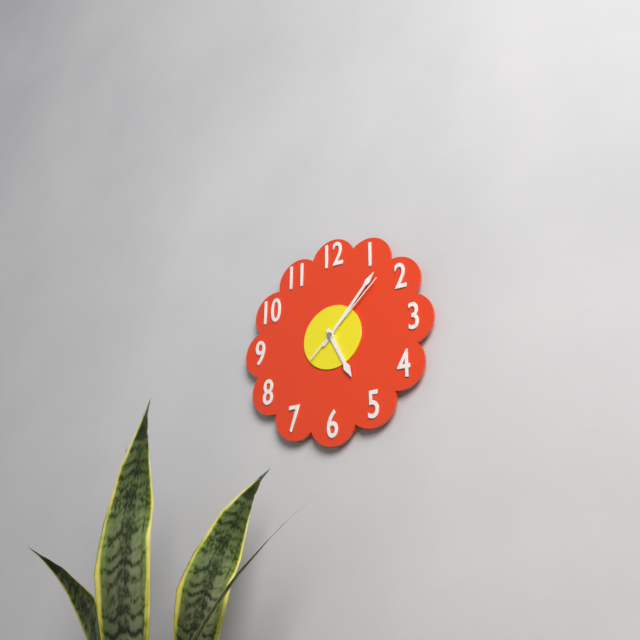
{"hour": 5, "minute": 7, "second": 8}
